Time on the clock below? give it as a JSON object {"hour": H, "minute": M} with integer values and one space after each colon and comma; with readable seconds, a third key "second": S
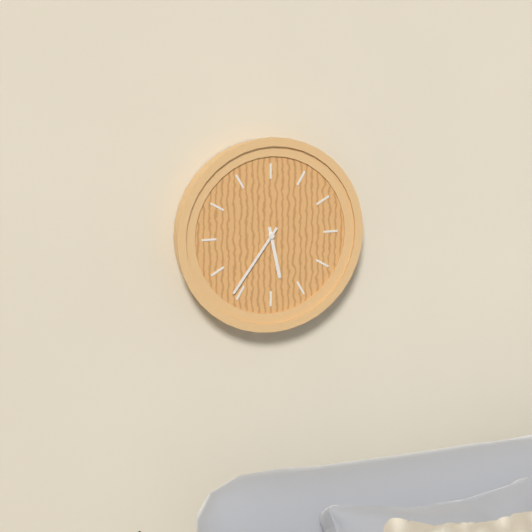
{"hour": 5, "minute": 36}
